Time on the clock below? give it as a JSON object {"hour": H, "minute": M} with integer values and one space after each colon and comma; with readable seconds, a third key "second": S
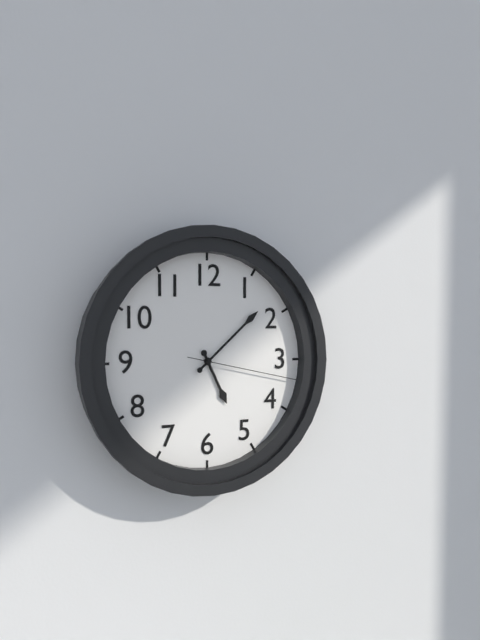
{"hour": 5, "minute": 8, "second": 17}
